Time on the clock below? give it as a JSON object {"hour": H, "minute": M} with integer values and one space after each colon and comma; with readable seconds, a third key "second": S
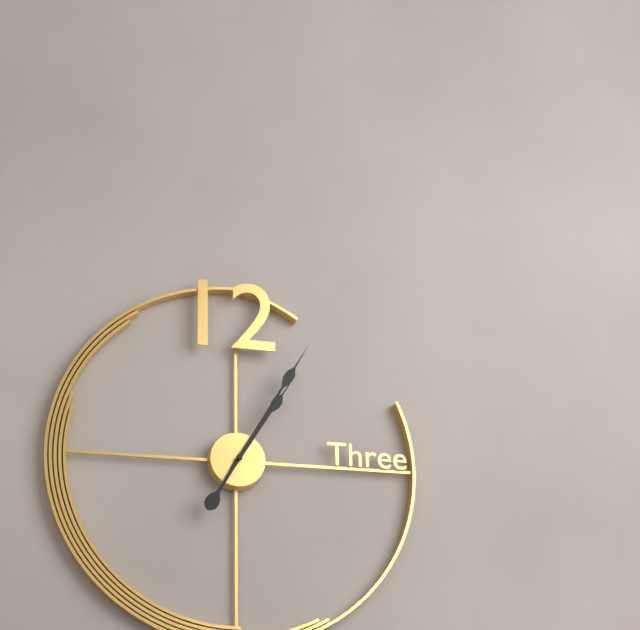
{"hour": 1, "minute": 5}
